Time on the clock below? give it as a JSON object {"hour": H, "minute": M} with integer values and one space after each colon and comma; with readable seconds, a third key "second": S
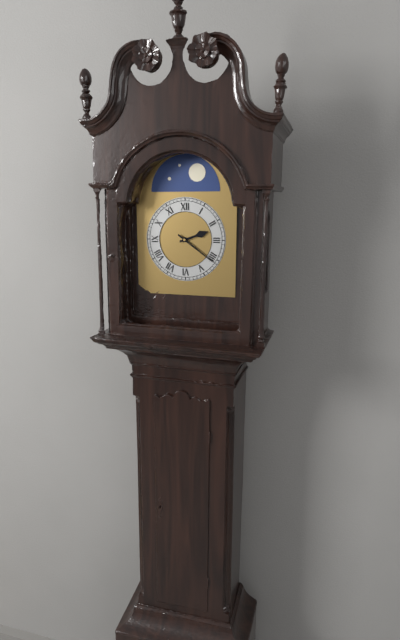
{"hour": 2, "minute": 21}
